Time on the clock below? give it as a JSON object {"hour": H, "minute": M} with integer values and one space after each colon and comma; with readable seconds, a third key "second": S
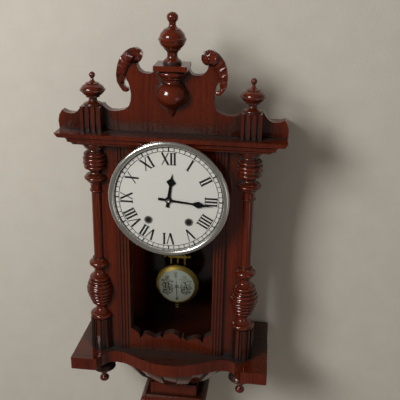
{"hour": 12, "minute": 16}
